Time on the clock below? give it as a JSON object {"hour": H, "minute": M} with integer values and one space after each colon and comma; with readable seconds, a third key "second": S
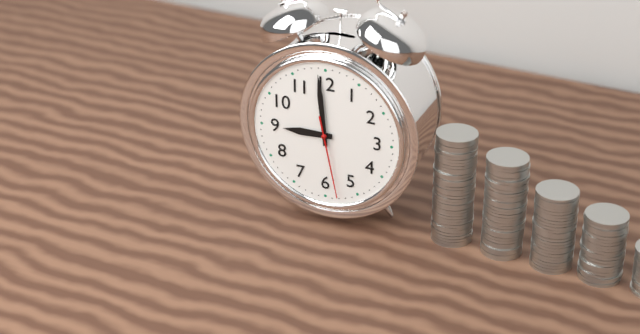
{"hour": 8, "minute": 59, "second": 28}
